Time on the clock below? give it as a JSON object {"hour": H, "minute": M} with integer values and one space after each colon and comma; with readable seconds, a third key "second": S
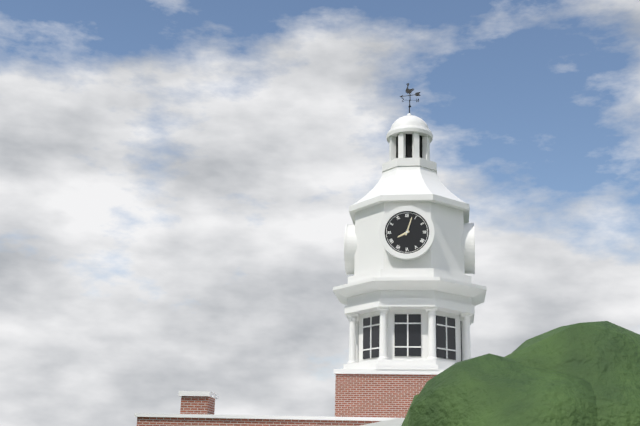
{"hour": 8, "minute": 3}
